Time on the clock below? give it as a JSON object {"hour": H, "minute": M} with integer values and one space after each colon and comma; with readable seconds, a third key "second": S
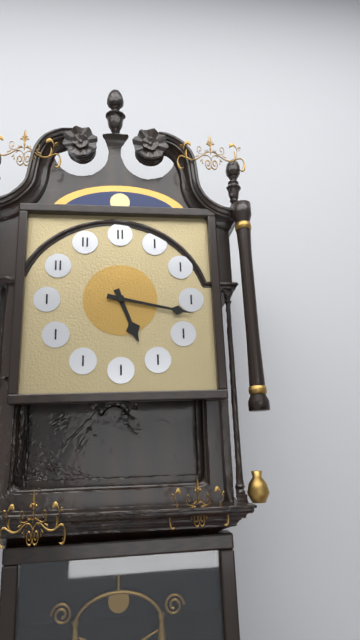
{"hour": 5, "minute": 17}
